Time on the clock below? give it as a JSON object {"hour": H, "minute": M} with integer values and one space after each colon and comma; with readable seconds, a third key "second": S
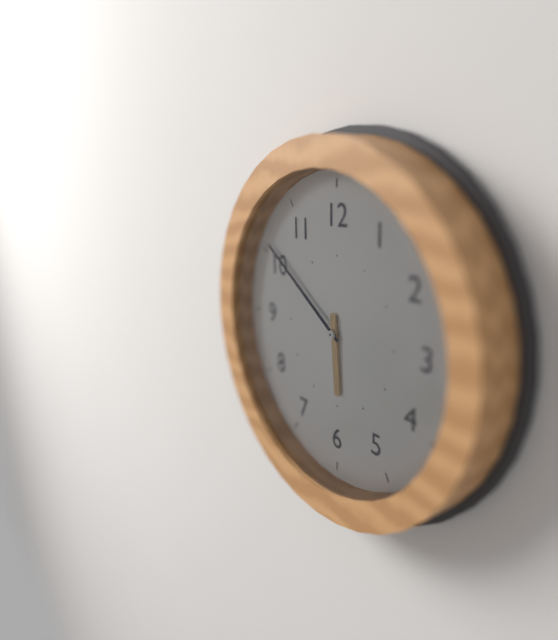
{"hour": 5, "minute": 51}
